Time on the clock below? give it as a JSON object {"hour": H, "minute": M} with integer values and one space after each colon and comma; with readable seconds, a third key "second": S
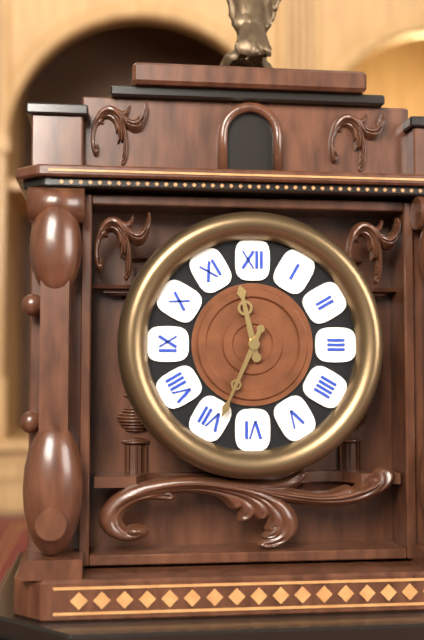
{"hour": 11, "minute": 34}
